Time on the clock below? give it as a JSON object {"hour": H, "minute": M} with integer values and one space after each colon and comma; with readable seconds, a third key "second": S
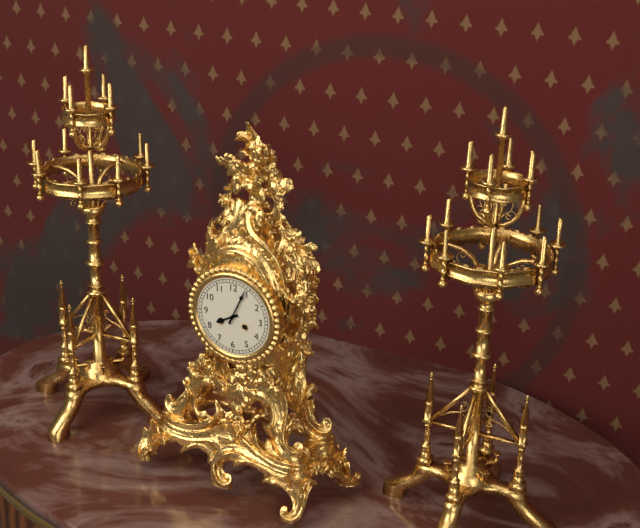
{"hour": 8, "minute": 4}
